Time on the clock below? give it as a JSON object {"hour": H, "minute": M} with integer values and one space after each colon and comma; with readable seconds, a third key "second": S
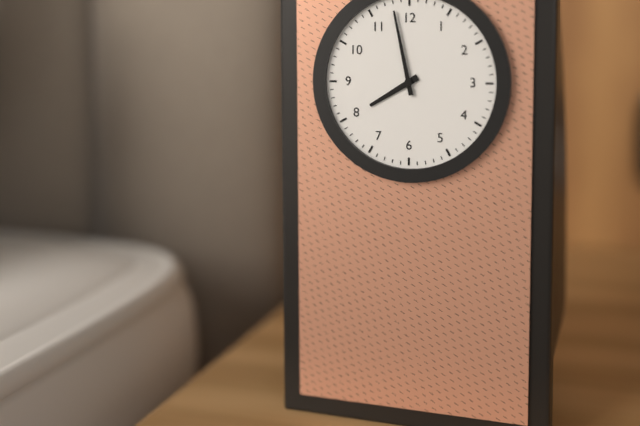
{"hour": 7, "minute": 58}
